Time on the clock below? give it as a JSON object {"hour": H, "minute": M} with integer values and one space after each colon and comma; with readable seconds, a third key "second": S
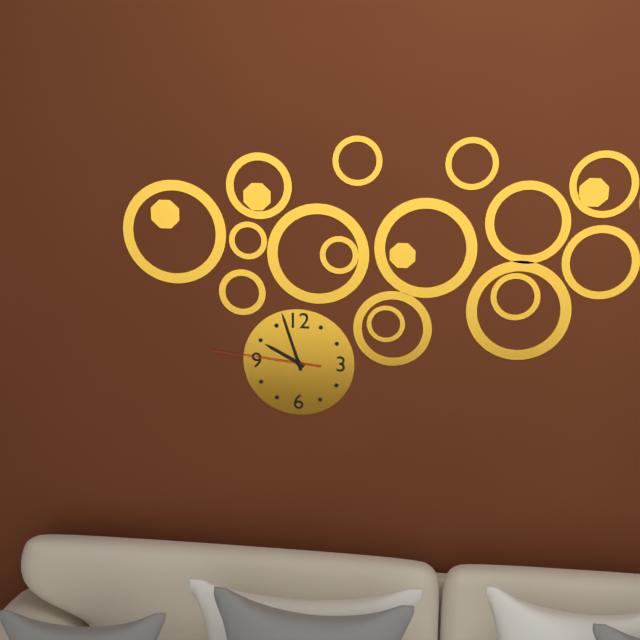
{"hour": 9, "minute": 57, "second": 46}
